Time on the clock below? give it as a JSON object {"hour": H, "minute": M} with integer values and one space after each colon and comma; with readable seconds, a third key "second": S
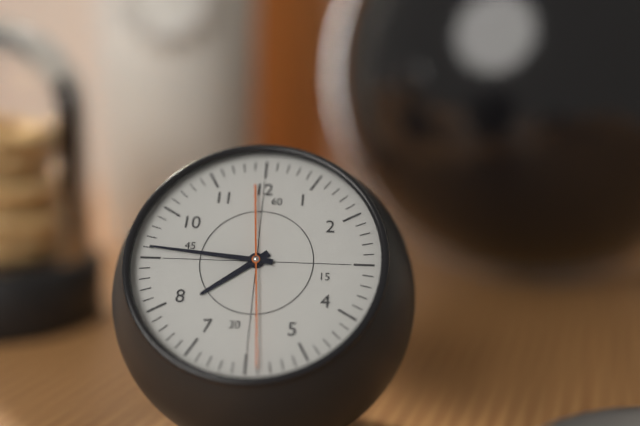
{"hour": 7, "minute": 46, "second": 29}
